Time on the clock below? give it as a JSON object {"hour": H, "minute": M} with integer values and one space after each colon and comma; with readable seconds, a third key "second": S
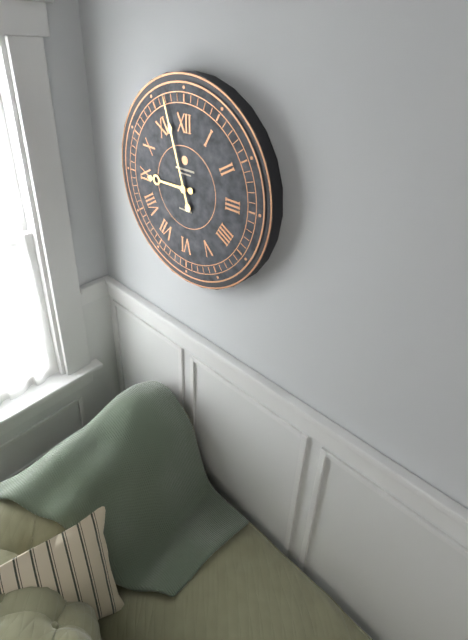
{"hour": 8, "minute": 57}
